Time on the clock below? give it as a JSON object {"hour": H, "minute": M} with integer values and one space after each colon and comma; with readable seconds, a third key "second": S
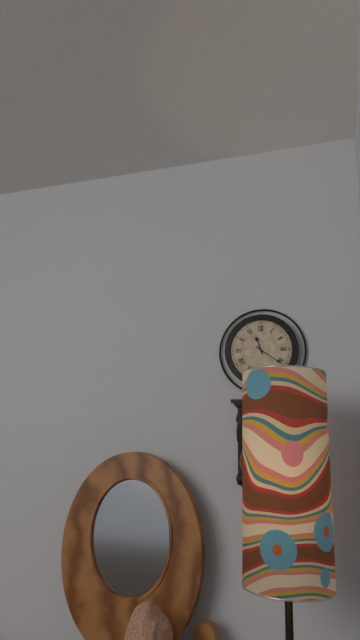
{"hour": 11, "minute": 21}
